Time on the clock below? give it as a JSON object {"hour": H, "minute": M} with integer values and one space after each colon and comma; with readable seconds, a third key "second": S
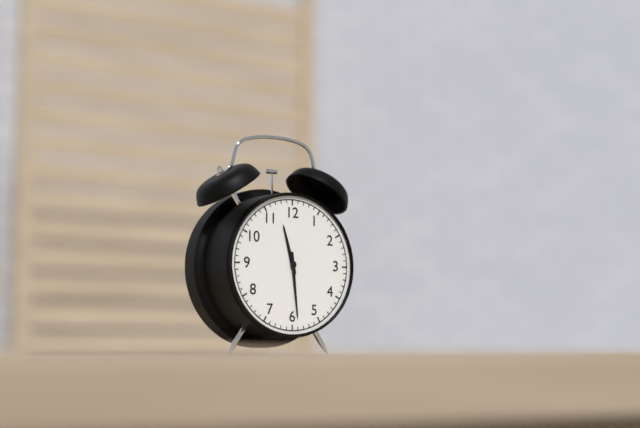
{"hour": 11, "minute": 29}
